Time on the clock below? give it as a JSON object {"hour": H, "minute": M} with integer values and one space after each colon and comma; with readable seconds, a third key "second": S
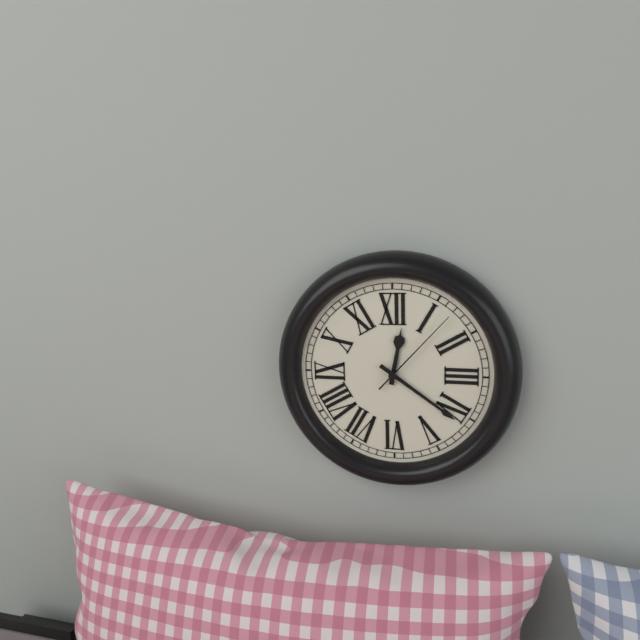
{"hour": 12, "minute": 21, "second": 7}
